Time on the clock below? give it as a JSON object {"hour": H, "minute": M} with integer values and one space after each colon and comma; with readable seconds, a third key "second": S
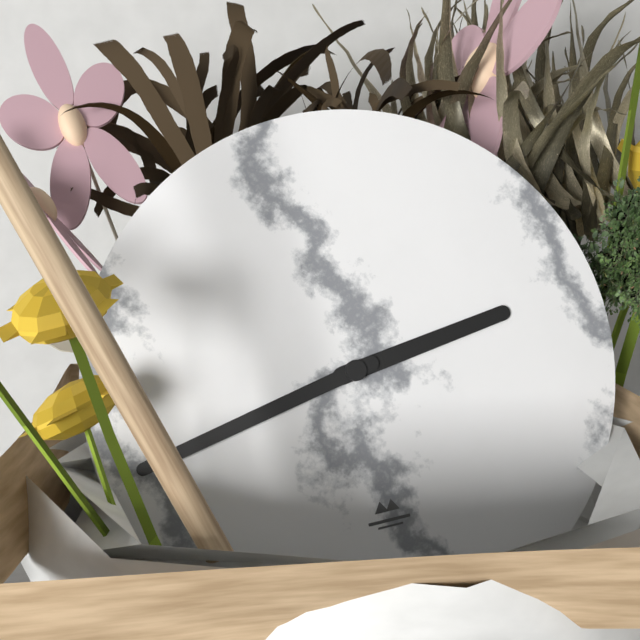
{"hour": 2, "minute": 43}
